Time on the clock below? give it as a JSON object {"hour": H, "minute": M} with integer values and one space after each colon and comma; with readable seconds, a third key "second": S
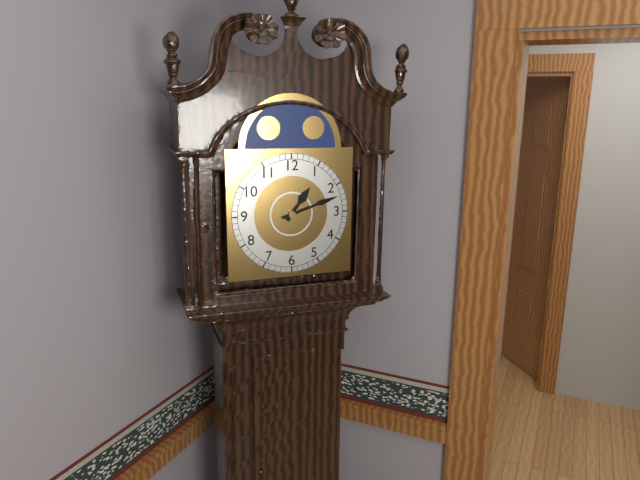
{"hour": 1, "minute": 12}
